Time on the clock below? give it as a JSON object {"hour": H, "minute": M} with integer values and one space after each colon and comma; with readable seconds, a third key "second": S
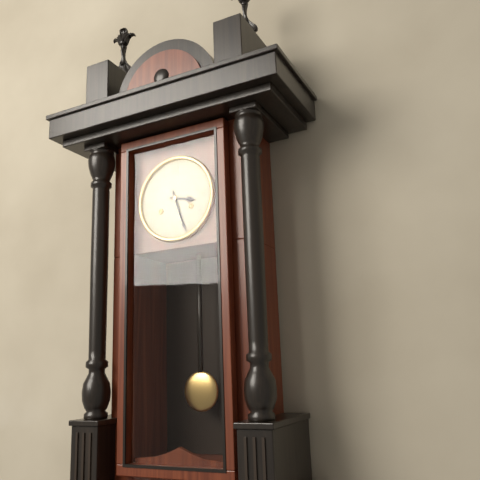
{"hour": 3, "minute": 27}
